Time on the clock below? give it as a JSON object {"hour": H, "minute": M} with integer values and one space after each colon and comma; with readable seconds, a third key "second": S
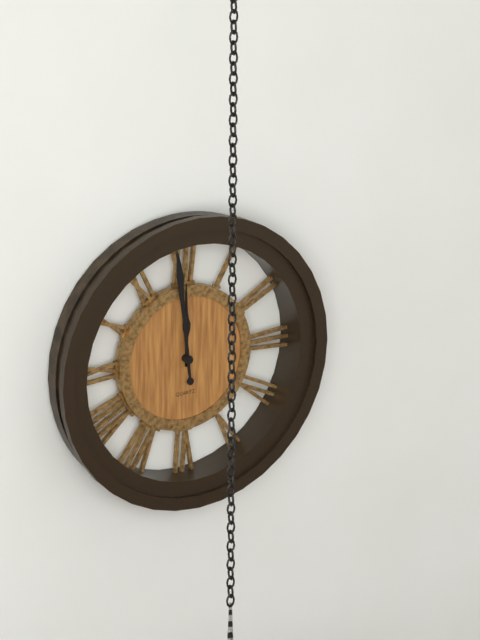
{"hour": 11, "minute": 59}
